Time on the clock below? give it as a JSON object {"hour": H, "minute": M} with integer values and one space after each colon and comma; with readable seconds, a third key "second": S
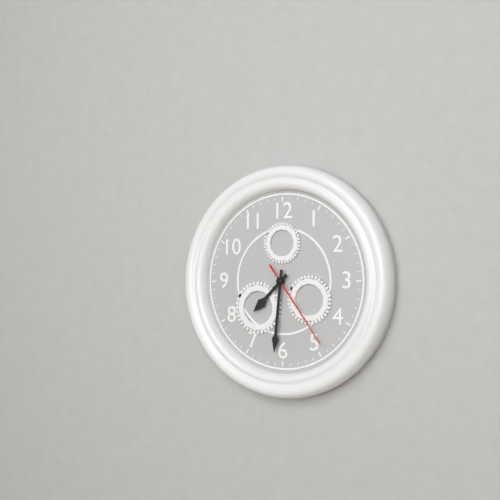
{"hour": 7, "minute": 31, "second": 24}
